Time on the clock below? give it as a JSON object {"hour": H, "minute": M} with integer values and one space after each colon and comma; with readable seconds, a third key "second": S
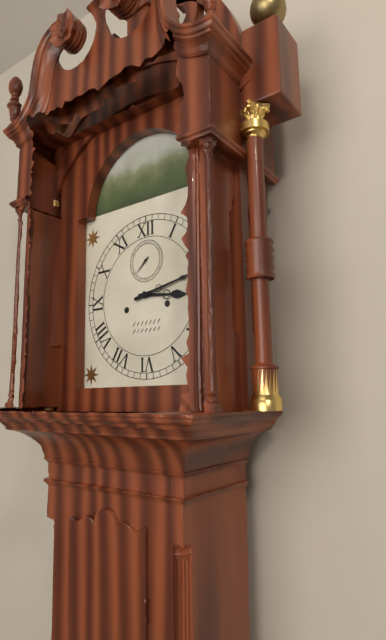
{"hour": 3, "minute": 13}
